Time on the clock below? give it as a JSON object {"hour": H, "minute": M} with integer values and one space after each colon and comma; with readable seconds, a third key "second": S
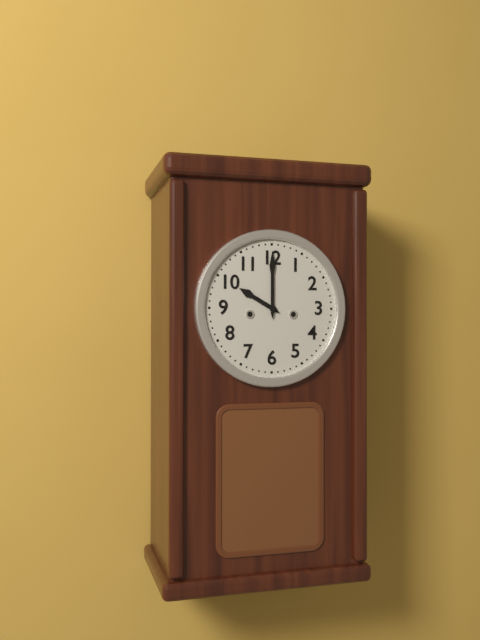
{"hour": 10, "minute": 0}
